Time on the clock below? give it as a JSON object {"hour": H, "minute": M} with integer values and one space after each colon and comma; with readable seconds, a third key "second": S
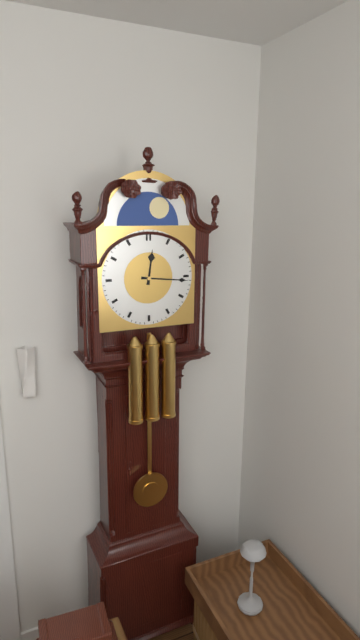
{"hour": 12, "minute": 16}
